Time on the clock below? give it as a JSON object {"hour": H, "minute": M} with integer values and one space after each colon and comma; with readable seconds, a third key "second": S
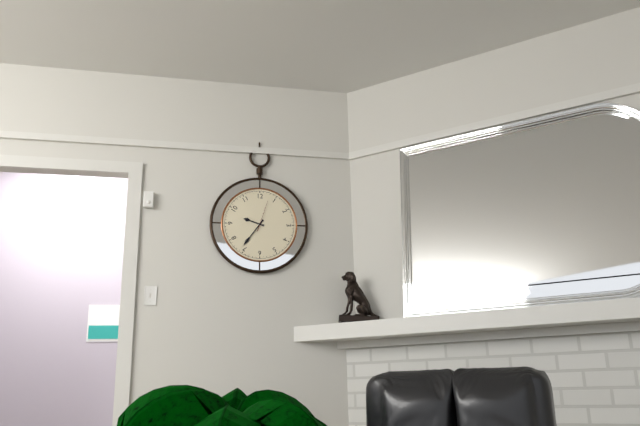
{"hour": 9, "minute": 36}
